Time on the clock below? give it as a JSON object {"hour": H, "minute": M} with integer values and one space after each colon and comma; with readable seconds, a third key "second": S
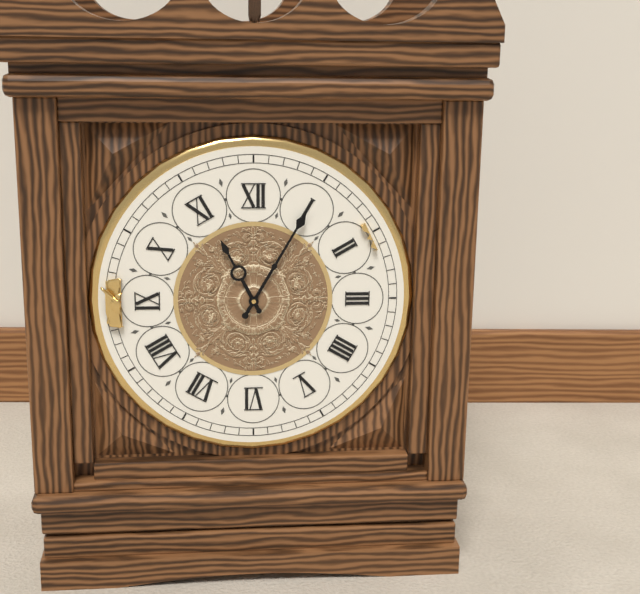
{"hour": 11, "minute": 5}
